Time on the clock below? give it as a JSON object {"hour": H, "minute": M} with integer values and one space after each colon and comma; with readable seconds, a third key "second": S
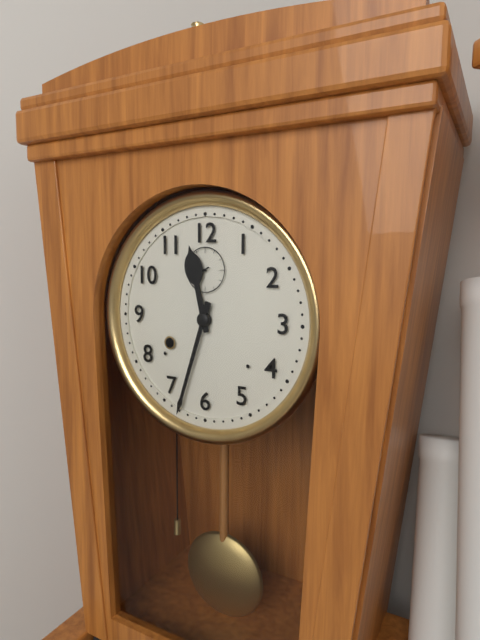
{"hour": 11, "minute": 33}
